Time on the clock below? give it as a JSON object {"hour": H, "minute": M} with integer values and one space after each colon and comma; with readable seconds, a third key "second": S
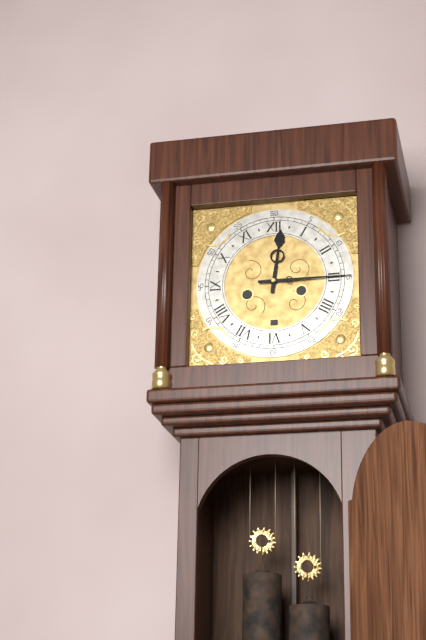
{"hour": 12, "minute": 15}
